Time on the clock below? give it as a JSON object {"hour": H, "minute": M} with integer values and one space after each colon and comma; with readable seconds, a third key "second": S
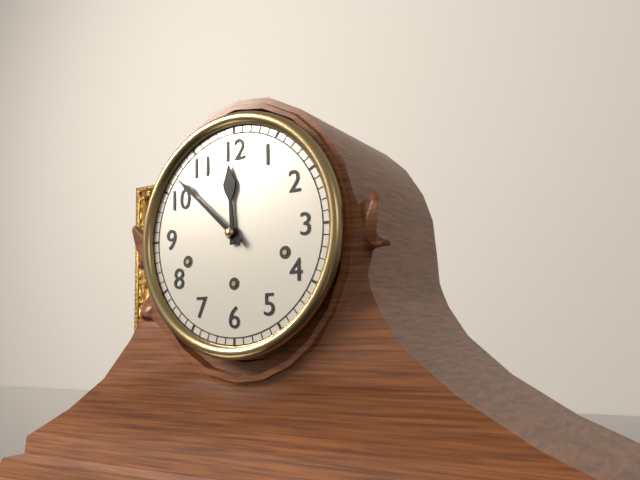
{"hour": 11, "minute": 52}
